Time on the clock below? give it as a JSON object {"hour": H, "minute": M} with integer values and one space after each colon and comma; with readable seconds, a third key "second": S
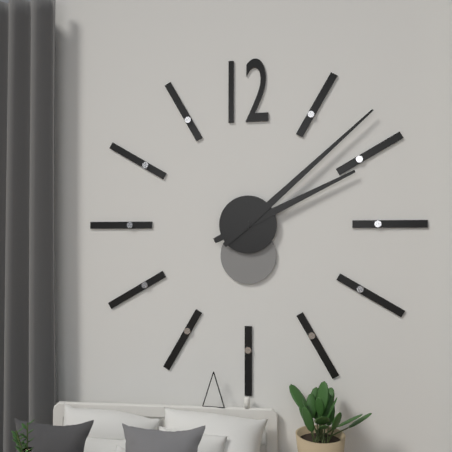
{"hour": 2, "minute": 8}
